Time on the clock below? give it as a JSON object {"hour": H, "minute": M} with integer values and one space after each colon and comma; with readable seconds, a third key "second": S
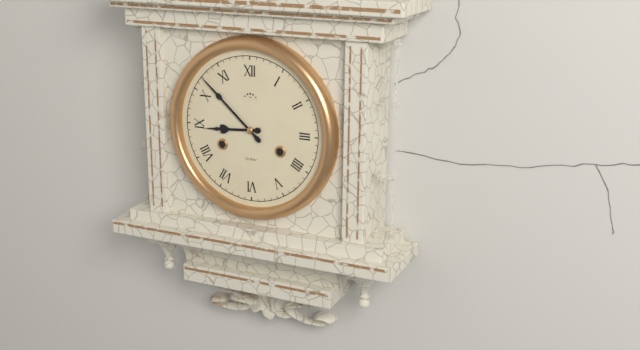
{"hour": 8, "minute": 52}
